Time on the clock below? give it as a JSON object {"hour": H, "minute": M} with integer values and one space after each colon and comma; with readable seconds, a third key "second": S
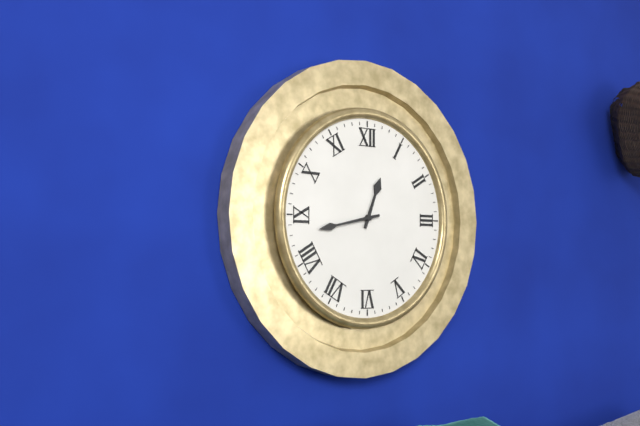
{"hour": 12, "minute": 43}
